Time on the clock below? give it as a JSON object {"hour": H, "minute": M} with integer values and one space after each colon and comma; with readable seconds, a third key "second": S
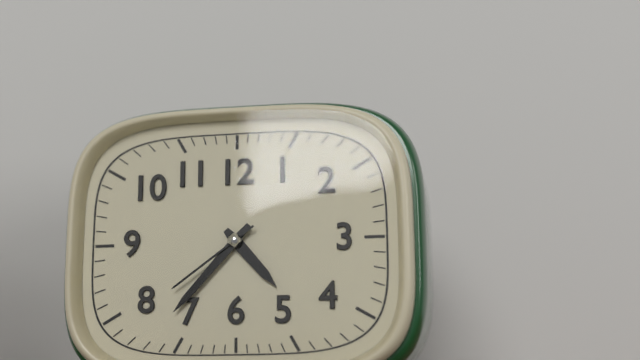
{"hour": 4, "minute": 37, "second": 39}
